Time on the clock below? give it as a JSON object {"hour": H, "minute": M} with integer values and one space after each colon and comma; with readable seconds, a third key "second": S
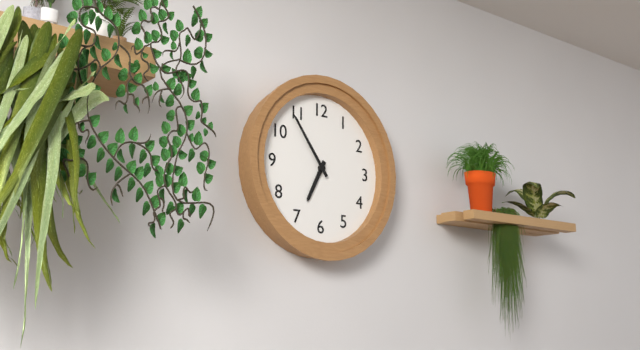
{"hour": 6, "minute": 54}
